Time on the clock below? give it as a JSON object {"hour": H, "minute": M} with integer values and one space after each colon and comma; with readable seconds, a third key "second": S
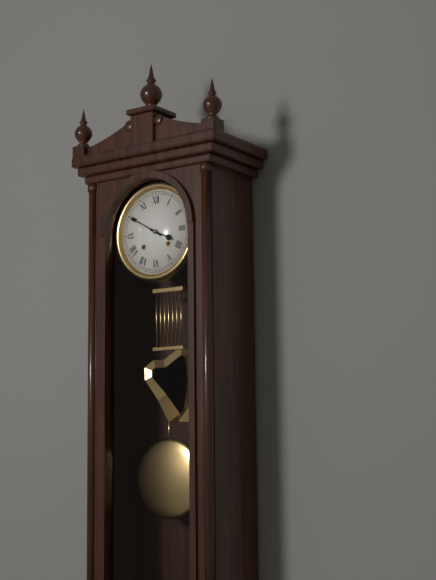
{"hour": 3, "minute": 50}
